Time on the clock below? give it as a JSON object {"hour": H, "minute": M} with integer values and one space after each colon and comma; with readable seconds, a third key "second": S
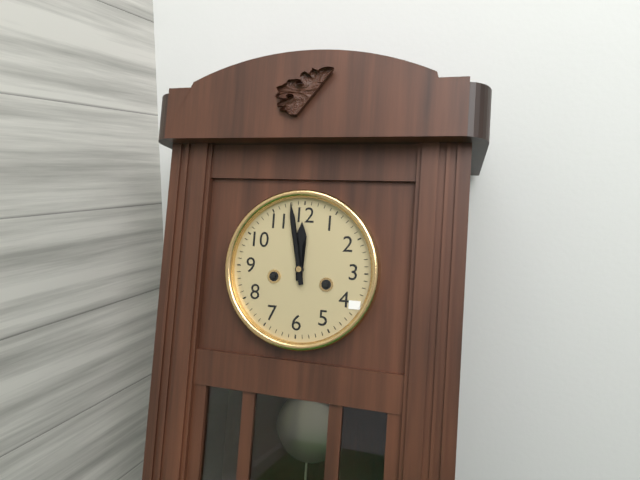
{"hour": 11, "minute": 58}
